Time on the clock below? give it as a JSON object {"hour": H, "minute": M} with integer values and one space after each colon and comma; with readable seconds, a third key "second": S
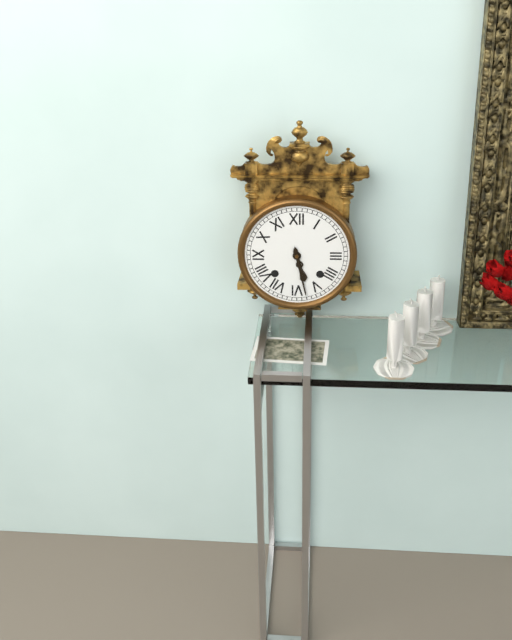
{"hour": 5, "minute": 28}
